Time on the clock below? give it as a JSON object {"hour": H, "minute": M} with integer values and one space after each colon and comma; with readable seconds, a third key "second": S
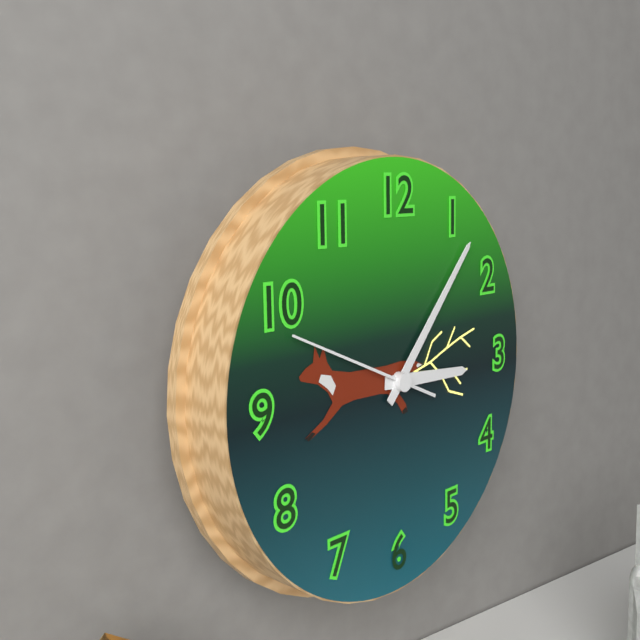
{"hour": 3, "minute": 7, "second": 49}
